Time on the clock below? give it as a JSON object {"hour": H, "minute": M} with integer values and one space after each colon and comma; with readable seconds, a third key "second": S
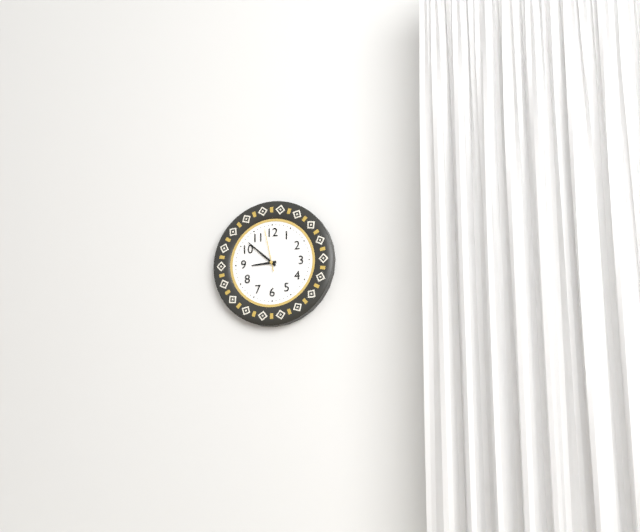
{"hour": 8, "minute": 52}
